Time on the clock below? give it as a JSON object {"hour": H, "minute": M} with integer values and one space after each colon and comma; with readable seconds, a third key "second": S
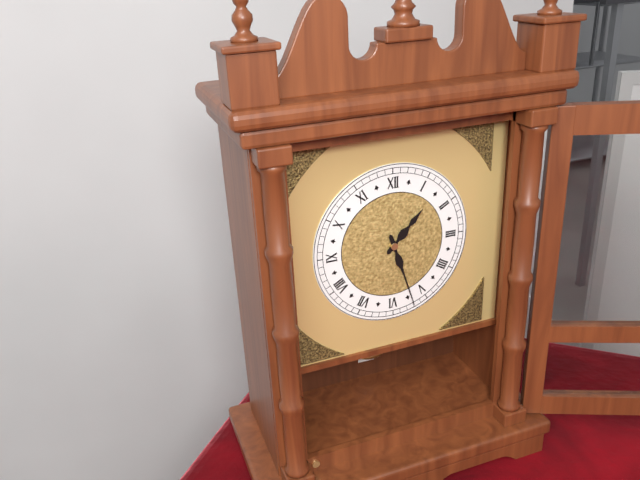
{"hour": 1, "minute": 27}
